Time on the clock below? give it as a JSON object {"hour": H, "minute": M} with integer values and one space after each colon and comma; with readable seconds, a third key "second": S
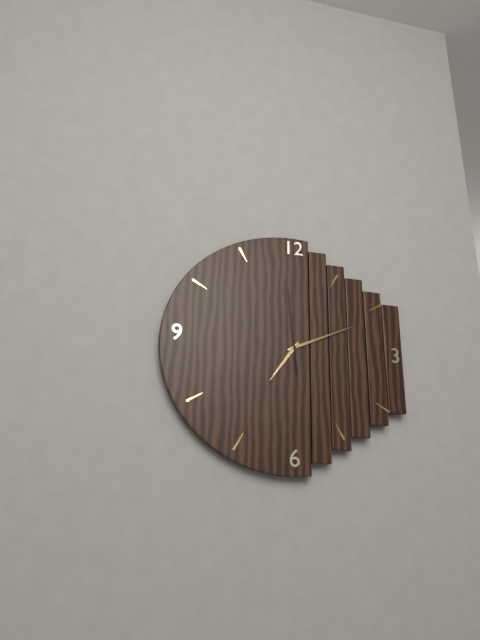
{"hour": 7, "minute": 11, "second": 59}
